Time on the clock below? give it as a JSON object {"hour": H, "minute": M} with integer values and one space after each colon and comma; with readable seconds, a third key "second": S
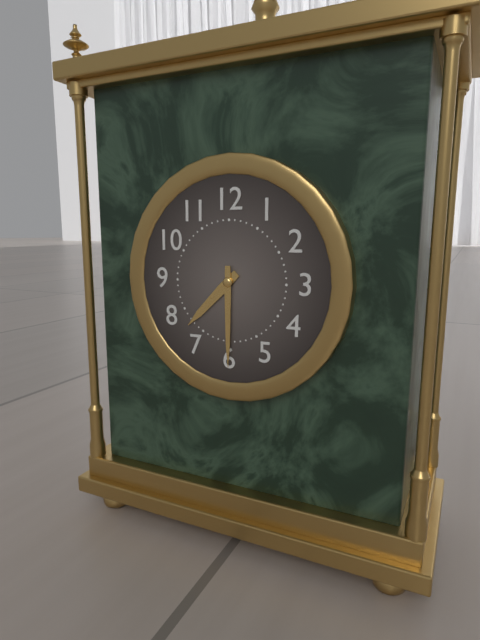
{"hour": 7, "minute": 30}
